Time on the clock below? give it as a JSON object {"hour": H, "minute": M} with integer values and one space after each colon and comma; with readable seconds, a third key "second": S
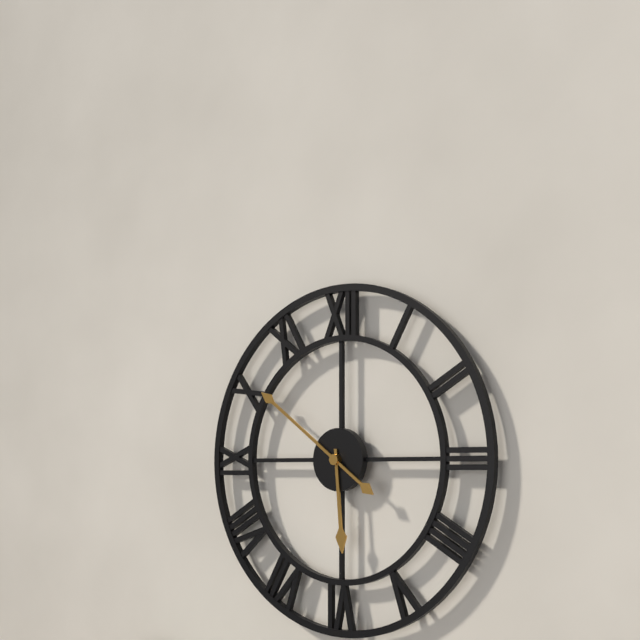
{"hour": 5, "minute": 51}
